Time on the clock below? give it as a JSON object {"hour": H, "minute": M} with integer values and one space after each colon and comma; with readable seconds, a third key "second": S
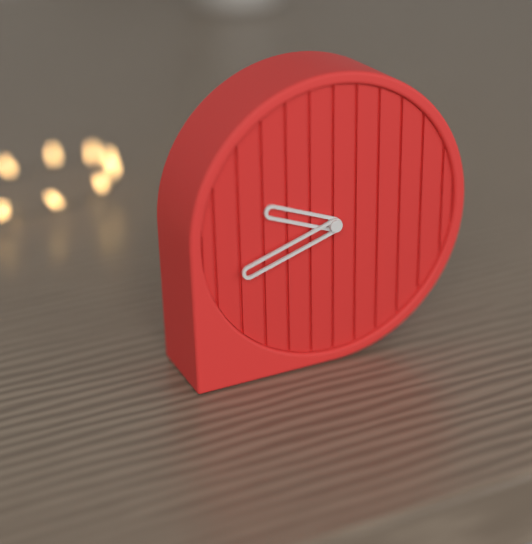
{"hour": 9, "minute": 42}
